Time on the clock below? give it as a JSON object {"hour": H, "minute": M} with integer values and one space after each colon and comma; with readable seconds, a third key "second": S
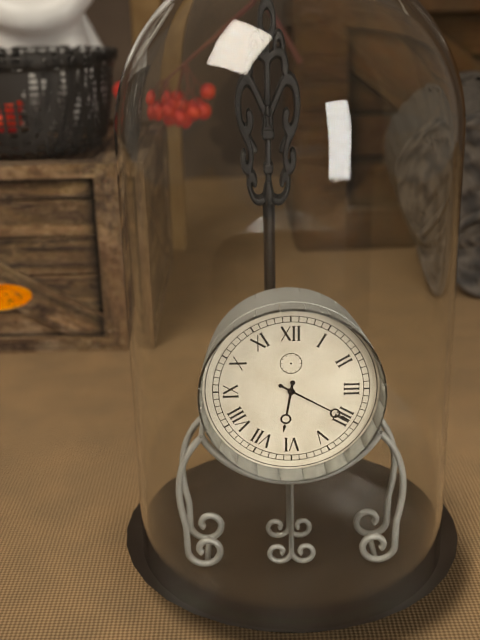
{"hour": 6, "minute": 20}
